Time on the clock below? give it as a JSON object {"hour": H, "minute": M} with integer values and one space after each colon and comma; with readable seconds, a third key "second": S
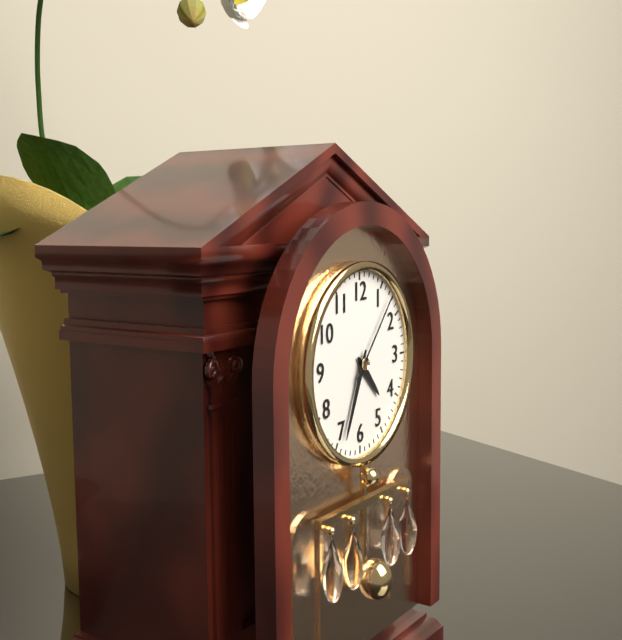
{"hour": 4, "minute": 34, "second": 7}
